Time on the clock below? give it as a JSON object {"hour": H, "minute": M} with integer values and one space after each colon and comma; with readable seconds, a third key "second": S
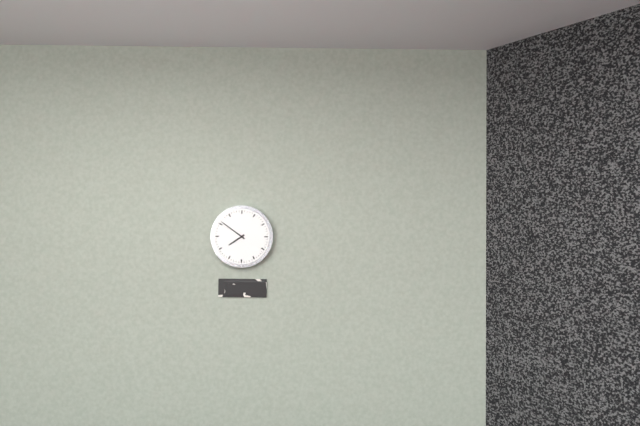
{"hour": 7, "minute": 51}
